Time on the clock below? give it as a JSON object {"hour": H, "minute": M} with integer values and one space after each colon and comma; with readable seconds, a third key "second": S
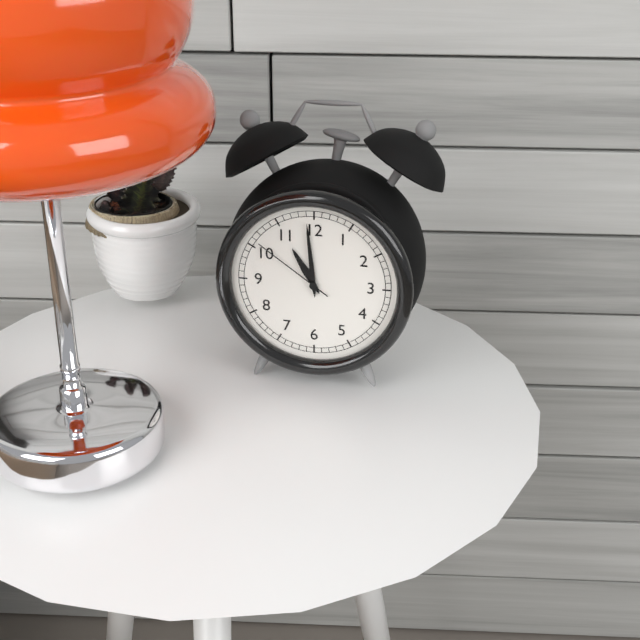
{"hour": 10, "minute": 59, "second": 51}
